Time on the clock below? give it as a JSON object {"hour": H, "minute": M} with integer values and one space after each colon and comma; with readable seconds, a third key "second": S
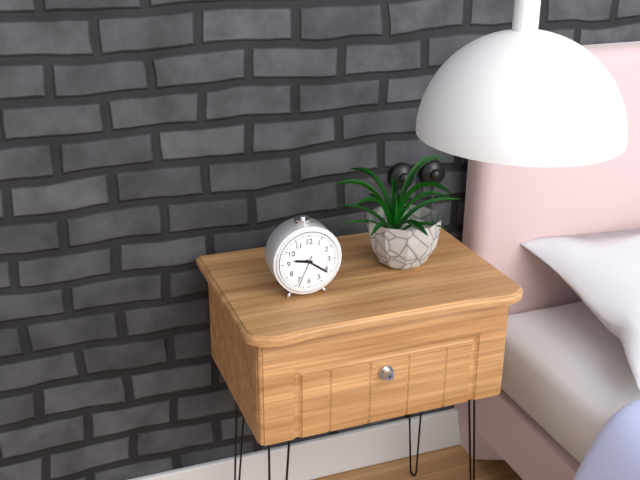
{"hour": 9, "minute": 21}
